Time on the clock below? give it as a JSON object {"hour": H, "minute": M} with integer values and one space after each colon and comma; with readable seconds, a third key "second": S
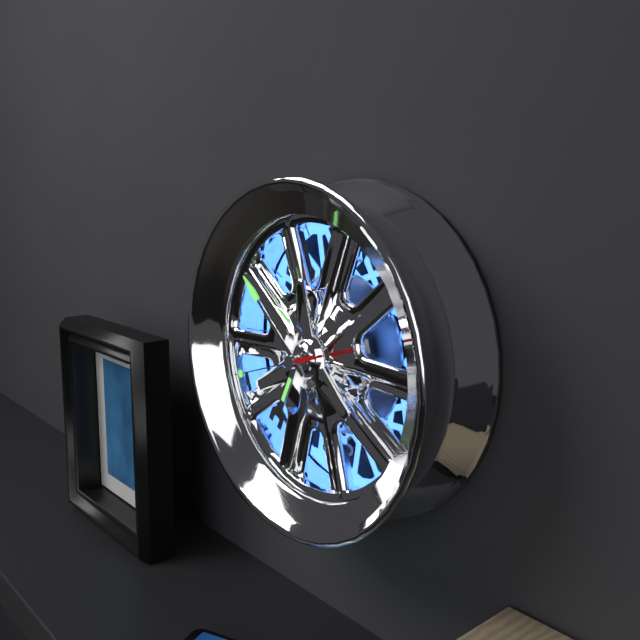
{"hour": 6, "minute": 52, "second": 42}
